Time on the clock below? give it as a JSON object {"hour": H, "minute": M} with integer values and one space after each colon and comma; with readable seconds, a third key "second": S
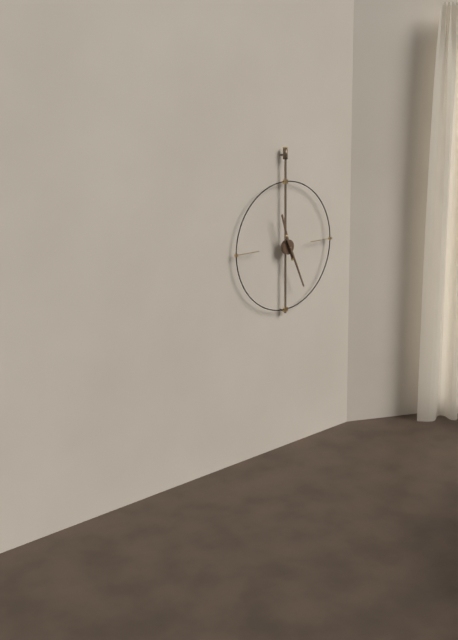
{"hour": 11, "minute": 26}
